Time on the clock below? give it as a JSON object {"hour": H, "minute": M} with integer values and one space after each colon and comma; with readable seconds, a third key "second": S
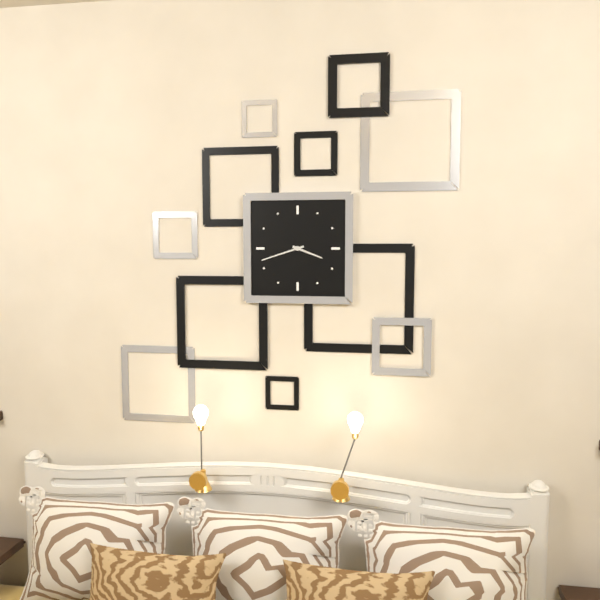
{"hour": 3, "minute": 42}
